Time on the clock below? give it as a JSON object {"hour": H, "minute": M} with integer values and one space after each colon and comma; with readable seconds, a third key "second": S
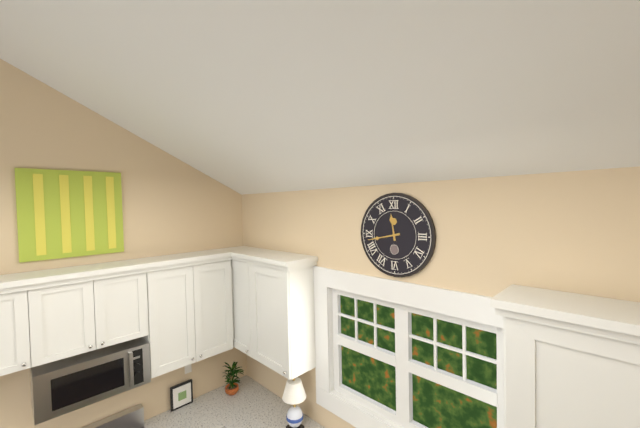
{"hour": 11, "minute": 43}
